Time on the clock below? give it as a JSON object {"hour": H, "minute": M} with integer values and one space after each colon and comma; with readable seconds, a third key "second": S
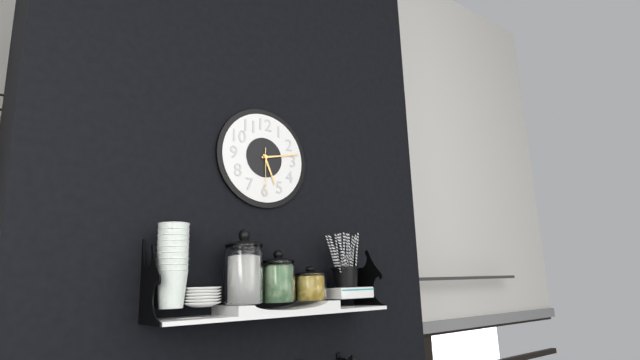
{"hour": 5, "minute": 13}
